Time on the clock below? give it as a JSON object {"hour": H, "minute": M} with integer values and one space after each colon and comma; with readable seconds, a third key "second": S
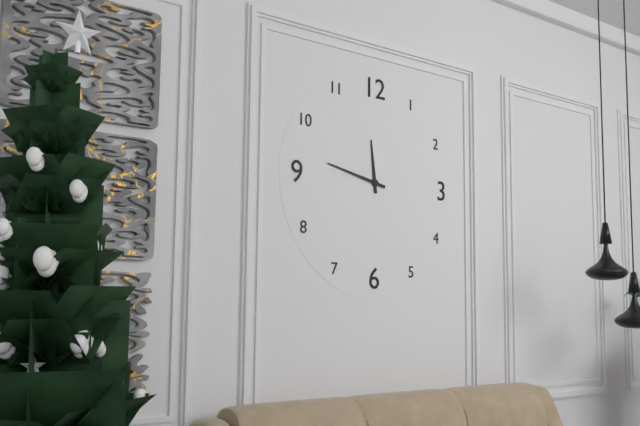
{"hour": 11, "minute": 47}
